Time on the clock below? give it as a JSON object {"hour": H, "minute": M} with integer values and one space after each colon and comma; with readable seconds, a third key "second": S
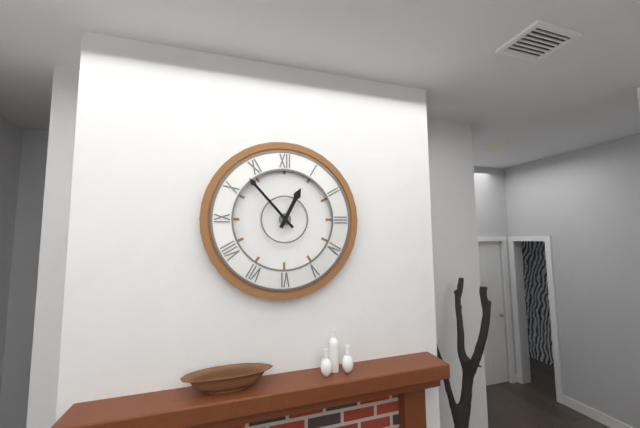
{"hour": 12, "minute": 53}
